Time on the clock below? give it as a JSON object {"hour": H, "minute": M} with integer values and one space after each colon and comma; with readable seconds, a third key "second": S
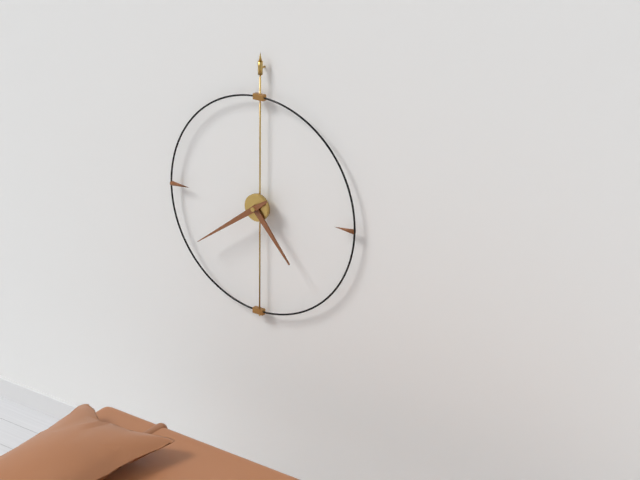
{"hour": 4, "minute": 39}
